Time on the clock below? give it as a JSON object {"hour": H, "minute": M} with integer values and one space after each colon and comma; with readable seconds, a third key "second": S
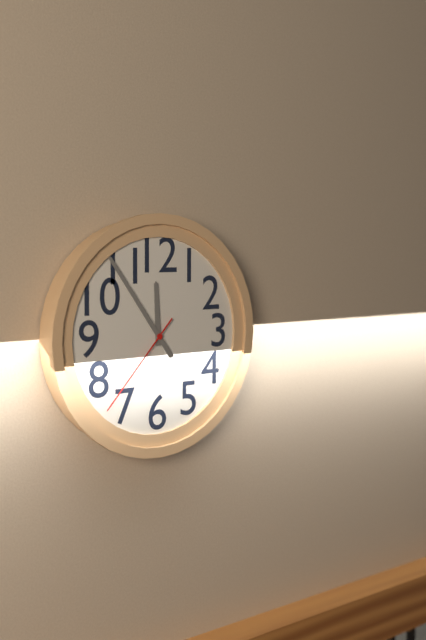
{"hour": 11, "minute": 54, "second": 37}
